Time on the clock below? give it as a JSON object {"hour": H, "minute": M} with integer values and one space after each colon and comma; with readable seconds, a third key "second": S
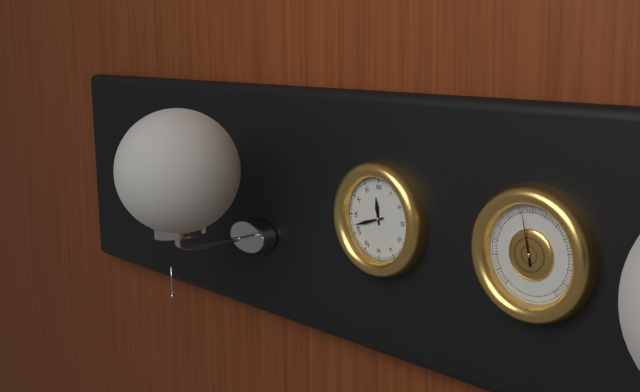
{"hour": 11, "minute": 42}
